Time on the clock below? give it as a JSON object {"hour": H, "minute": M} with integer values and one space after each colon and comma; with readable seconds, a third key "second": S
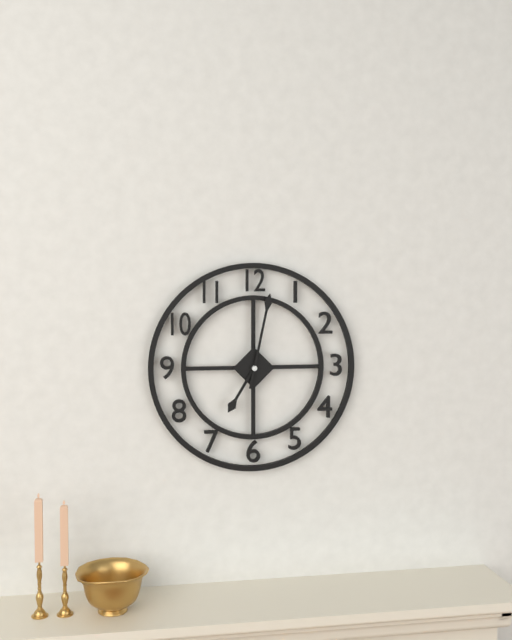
{"hour": 7, "minute": 2}
